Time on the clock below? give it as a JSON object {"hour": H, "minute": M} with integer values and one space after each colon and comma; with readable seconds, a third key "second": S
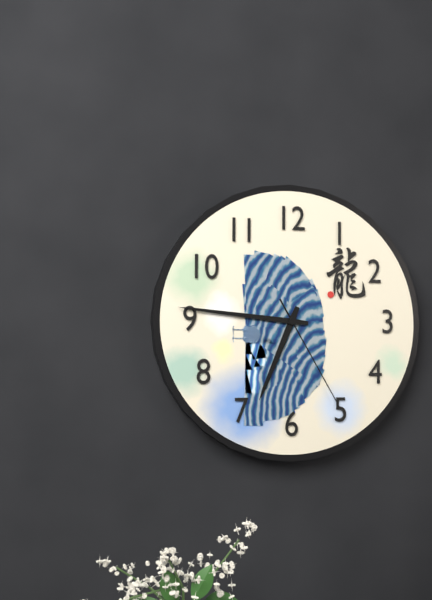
{"hour": 6, "minute": 46, "second": 25}
